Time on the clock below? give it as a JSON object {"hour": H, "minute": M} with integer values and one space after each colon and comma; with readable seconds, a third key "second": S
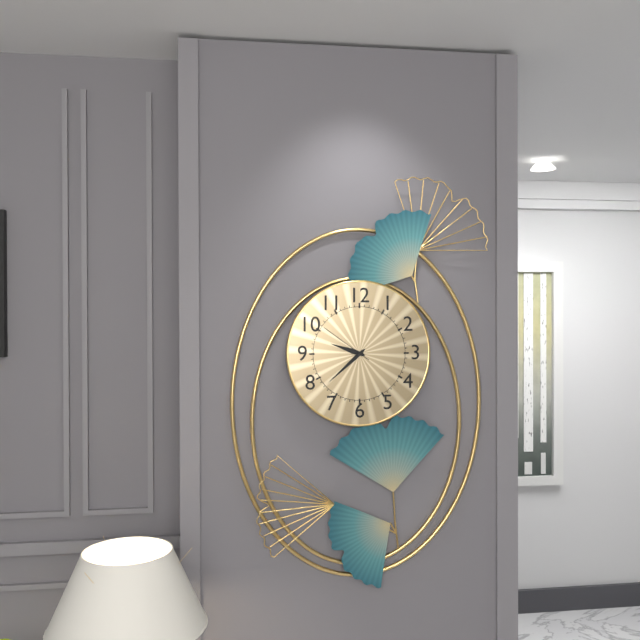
{"hour": 9, "minute": 38, "second": 51}
